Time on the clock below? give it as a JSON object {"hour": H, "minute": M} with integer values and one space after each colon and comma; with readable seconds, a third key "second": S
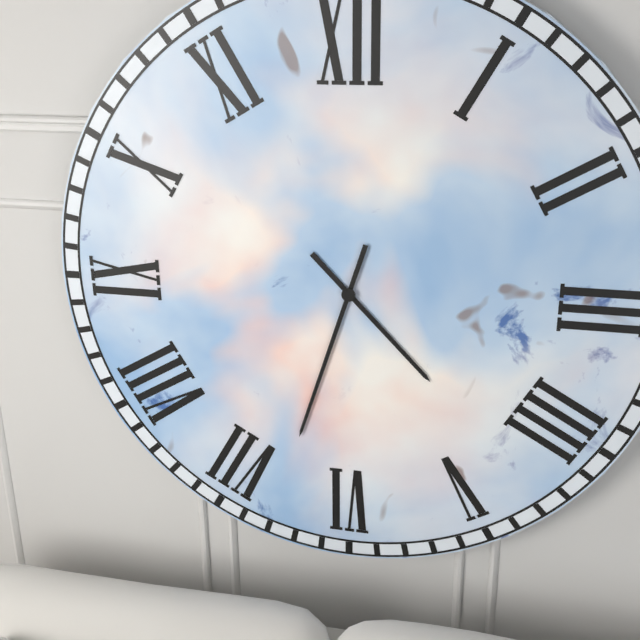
{"hour": 4, "minute": 33}
